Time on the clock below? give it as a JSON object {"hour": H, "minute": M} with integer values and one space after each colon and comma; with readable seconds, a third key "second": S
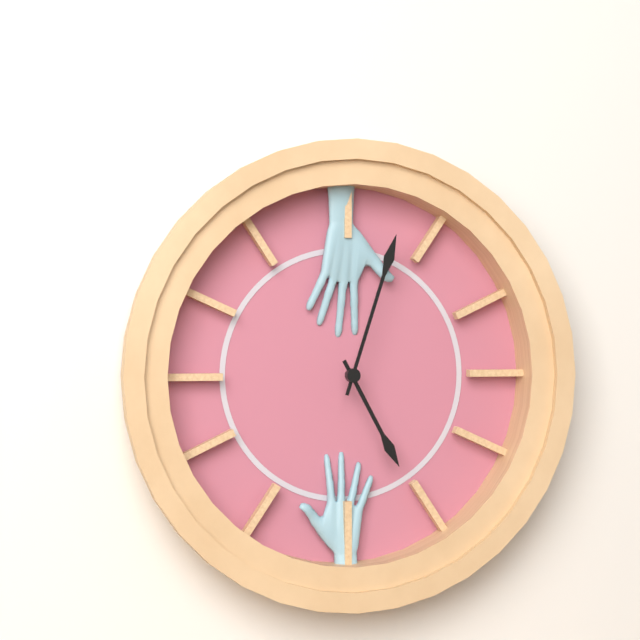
{"hour": 5, "minute": 3}
